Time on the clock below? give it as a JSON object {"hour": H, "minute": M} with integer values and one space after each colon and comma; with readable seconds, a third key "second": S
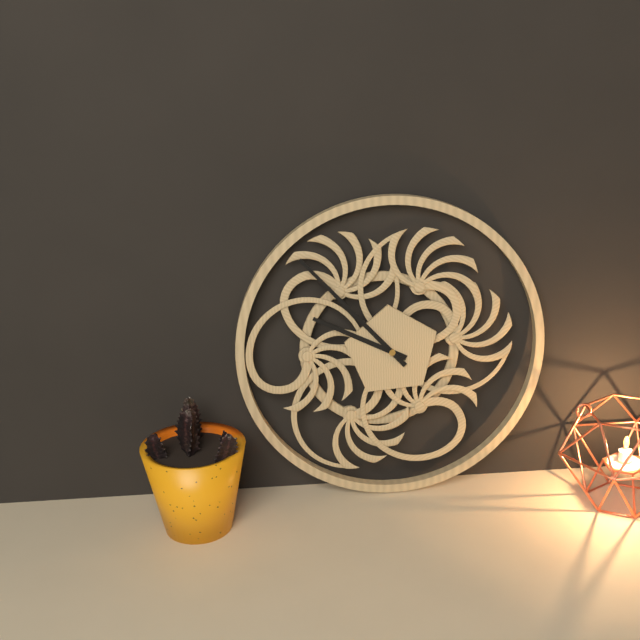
{"hour": 9, "minute": 53}
